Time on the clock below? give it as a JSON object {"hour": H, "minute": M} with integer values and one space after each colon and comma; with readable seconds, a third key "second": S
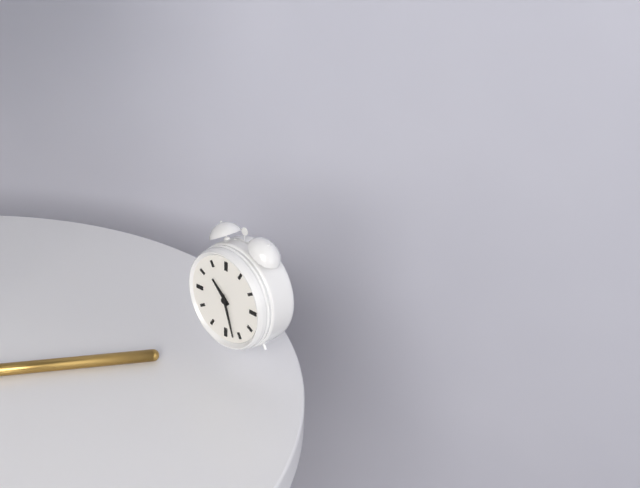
{"hour": 10, "minute": 27}
